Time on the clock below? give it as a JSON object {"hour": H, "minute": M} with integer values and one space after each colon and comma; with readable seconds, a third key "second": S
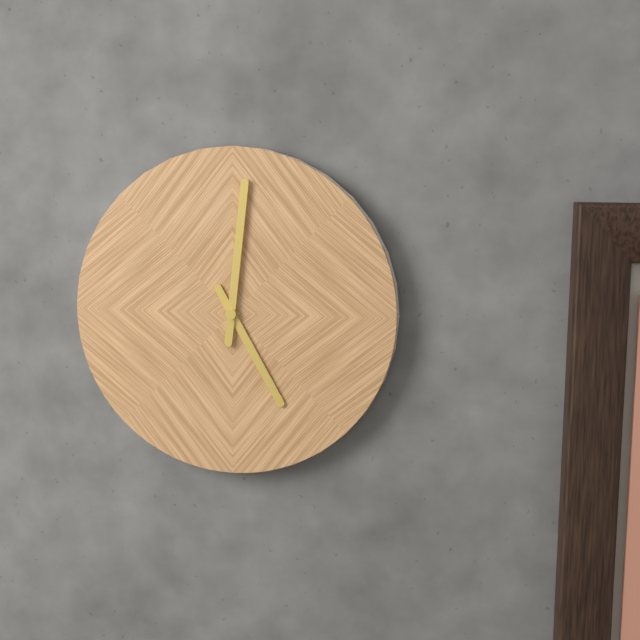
{"hour": 5, "minute": 1}
